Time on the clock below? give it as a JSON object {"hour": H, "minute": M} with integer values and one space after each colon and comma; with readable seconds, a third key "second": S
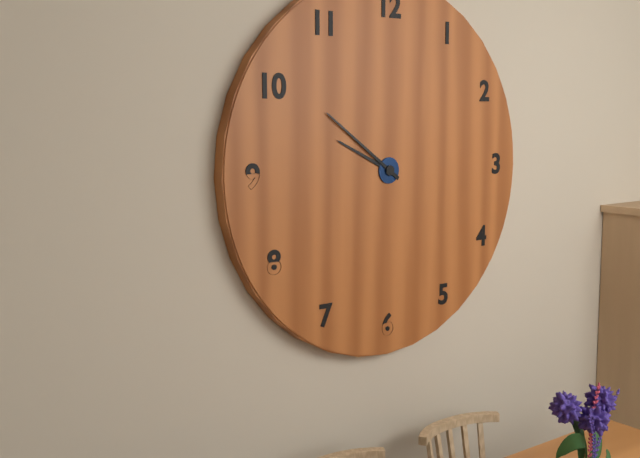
{"hour": 9, "minute": 51}
